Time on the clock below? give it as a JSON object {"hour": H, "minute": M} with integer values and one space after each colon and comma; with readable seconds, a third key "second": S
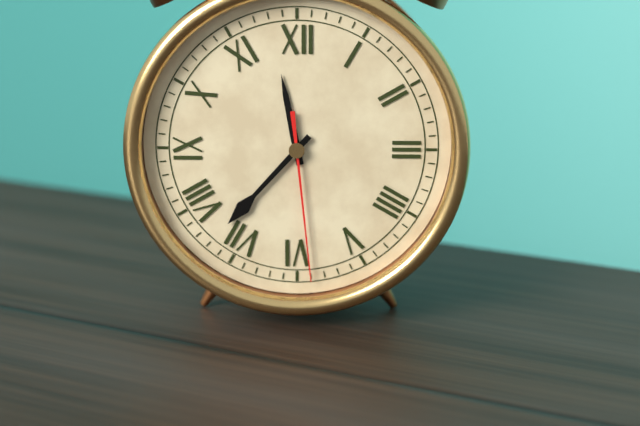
{"hour": 11, "minute": 37, "second": 29}
